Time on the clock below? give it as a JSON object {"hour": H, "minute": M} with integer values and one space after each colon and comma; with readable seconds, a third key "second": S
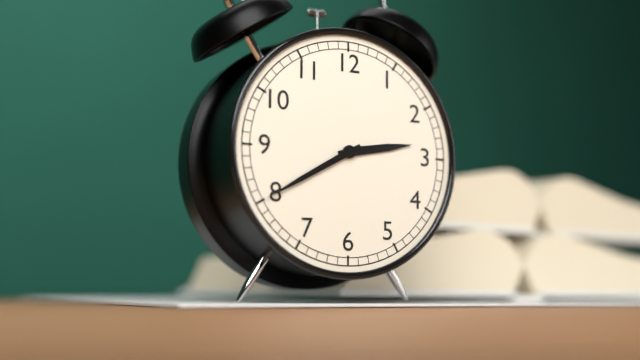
{"hour": 2, "minute": 40}
